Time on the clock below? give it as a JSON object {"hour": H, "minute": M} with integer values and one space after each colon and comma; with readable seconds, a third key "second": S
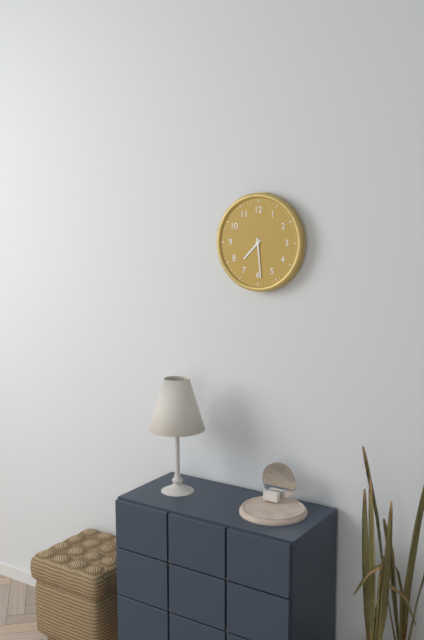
{"hour": 7, "minute": 29}
